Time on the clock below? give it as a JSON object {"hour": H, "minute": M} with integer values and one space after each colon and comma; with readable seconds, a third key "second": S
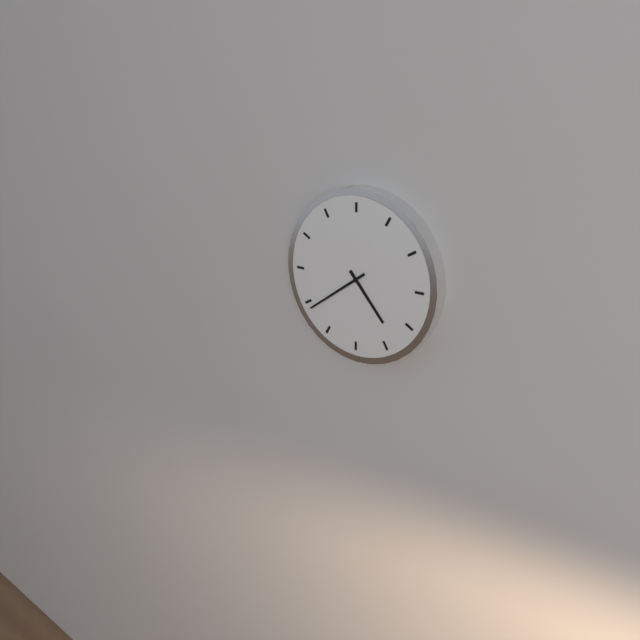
{"hour": 4, "minute": 39}
